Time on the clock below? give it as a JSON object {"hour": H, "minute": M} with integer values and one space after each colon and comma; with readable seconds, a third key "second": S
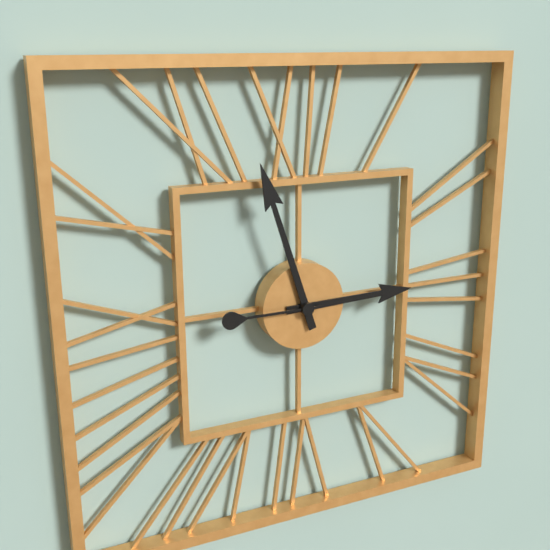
{"hour": 2, "minute": 57, "second": 45}
